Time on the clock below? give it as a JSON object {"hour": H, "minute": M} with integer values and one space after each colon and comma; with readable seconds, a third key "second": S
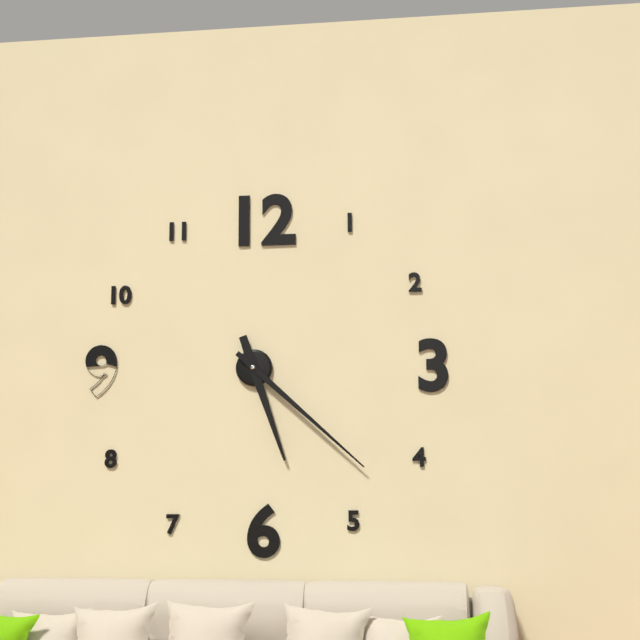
{"hour": 5, "minute": 22}
